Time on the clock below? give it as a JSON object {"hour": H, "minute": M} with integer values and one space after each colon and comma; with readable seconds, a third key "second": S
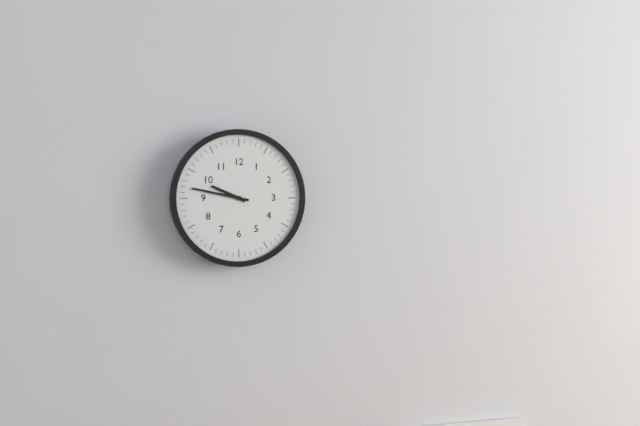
{"hour": 9, "minute": 47}
